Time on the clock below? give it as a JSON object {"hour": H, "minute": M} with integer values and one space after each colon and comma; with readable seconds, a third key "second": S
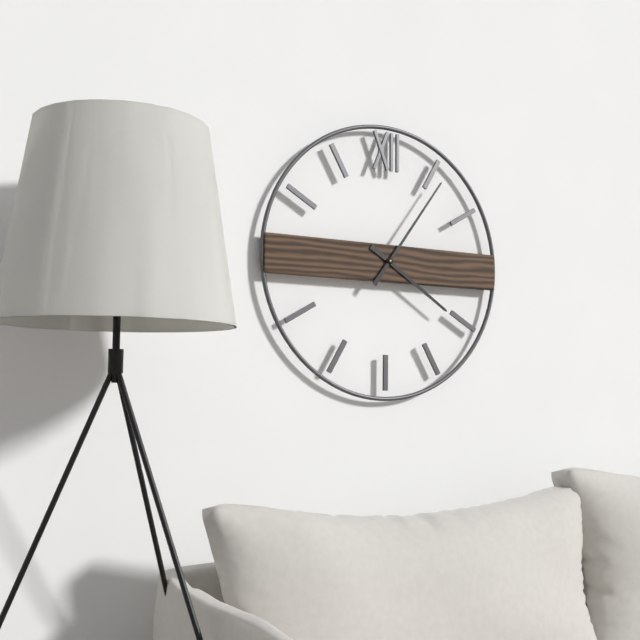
{"hour": 4, "minute": 6}
